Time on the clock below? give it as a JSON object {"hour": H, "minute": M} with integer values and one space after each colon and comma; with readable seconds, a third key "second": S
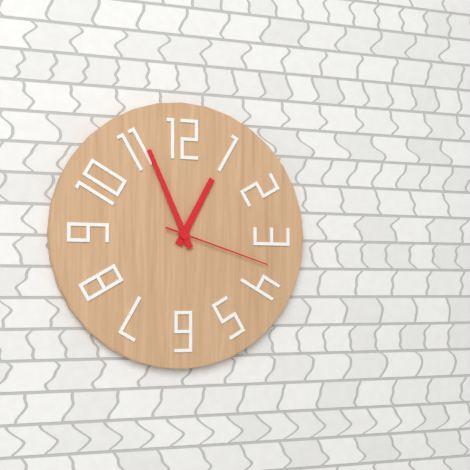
{"hour": 12, "minute": 56, "second": 18}
